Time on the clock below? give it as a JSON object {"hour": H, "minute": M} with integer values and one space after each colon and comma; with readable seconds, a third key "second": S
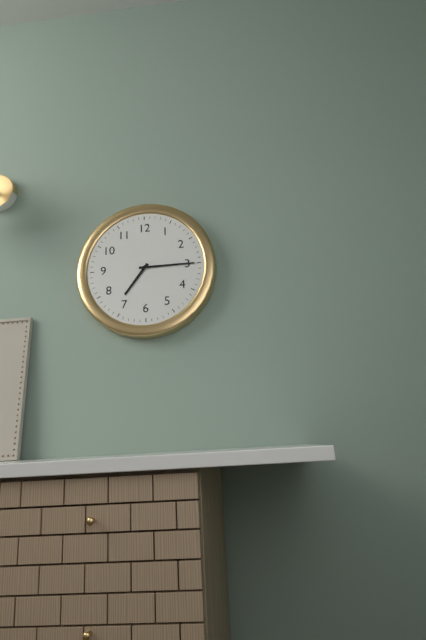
{"hour": 7, "minute": 15}
